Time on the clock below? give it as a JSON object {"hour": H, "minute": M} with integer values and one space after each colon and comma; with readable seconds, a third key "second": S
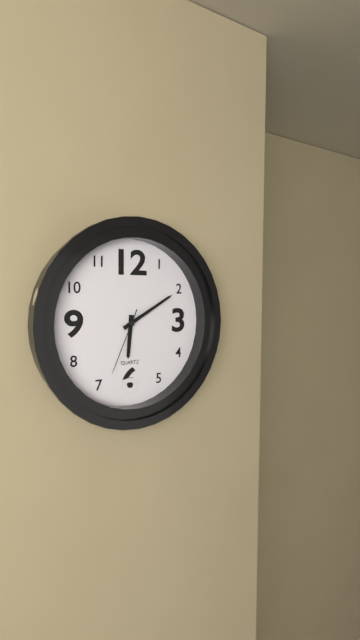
{"hour": 6, "minute": 10, "second": 34}
